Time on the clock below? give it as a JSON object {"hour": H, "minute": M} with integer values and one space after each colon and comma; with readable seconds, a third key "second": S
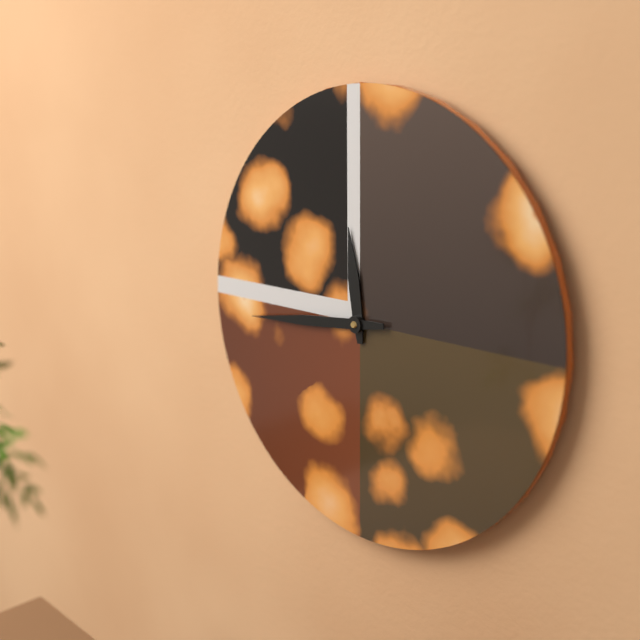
{"hour": 11, "minute": 44}
